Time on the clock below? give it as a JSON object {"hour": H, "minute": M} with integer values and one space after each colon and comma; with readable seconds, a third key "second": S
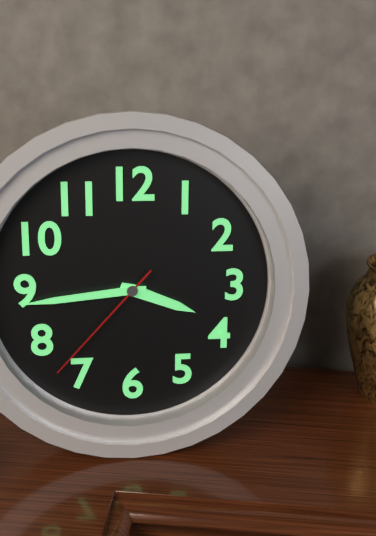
{"hour": 3, "minute": 44, "second": 37}
